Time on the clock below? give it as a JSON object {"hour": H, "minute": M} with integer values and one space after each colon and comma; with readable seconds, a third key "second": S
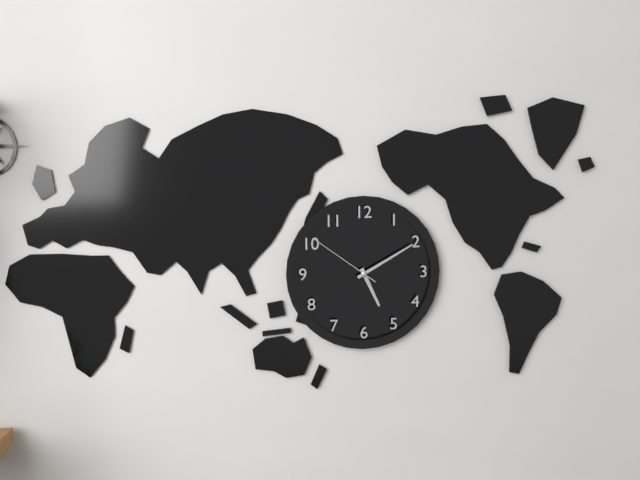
{"hour": 5, "minute": 10, "second": 51}
